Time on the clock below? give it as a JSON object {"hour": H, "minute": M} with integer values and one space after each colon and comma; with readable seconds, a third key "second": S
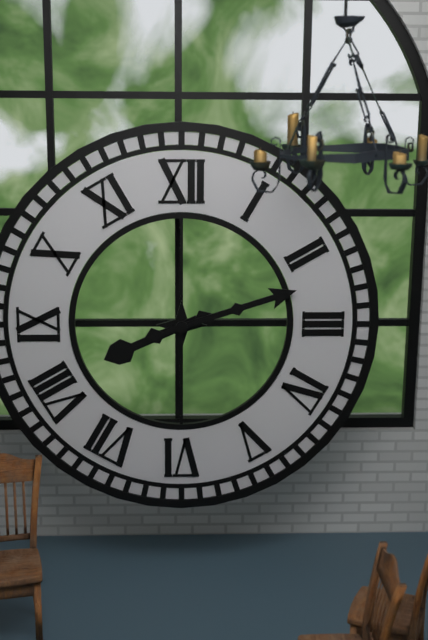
{"hour": 8, "minute": 12}
